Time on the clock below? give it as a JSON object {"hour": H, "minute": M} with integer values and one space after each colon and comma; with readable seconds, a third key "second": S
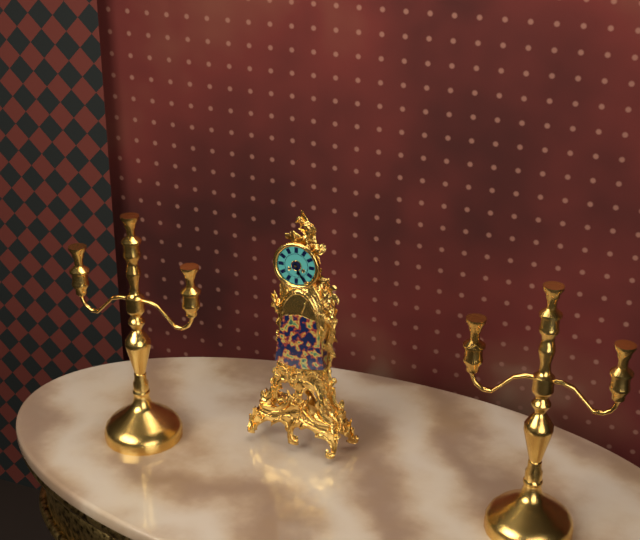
{"hour": 5, "minute": 25}
